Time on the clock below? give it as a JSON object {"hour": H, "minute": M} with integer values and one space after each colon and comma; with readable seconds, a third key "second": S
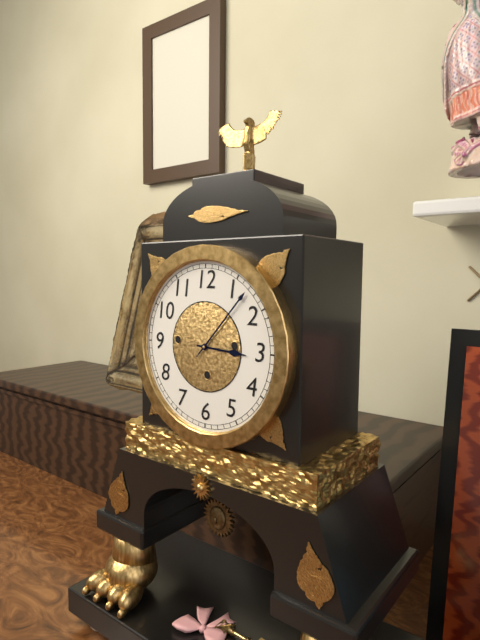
{"hour": 3, "minute": 7}
